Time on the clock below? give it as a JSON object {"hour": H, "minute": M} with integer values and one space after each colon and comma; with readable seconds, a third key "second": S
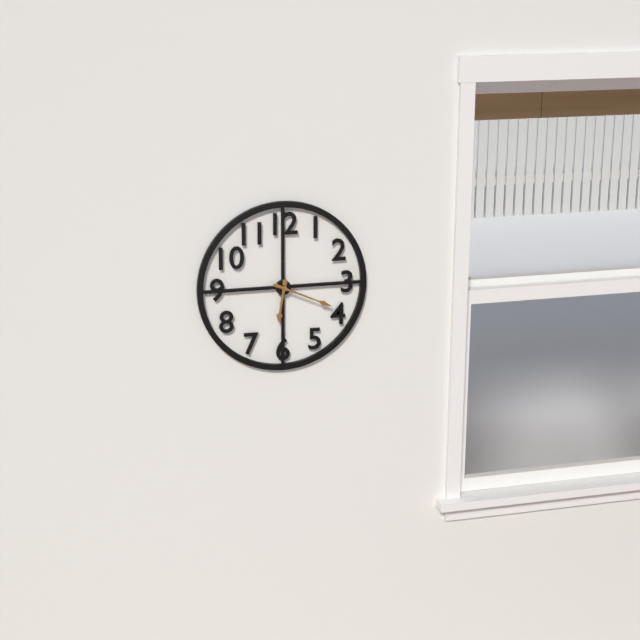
{"hour": 6, "minute": 19}
